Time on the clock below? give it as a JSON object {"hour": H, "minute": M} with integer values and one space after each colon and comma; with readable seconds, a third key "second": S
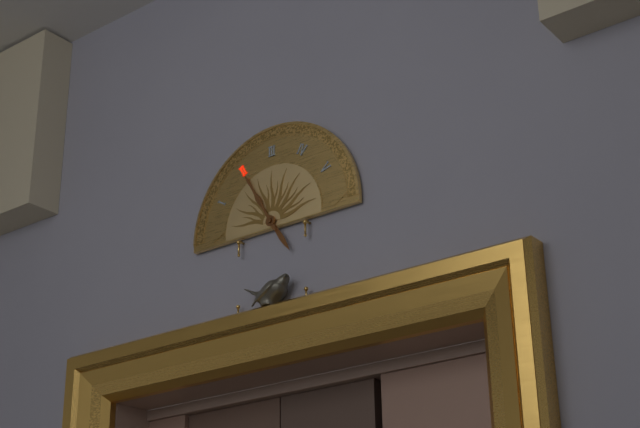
{"hour": 4, "minute": 55}
